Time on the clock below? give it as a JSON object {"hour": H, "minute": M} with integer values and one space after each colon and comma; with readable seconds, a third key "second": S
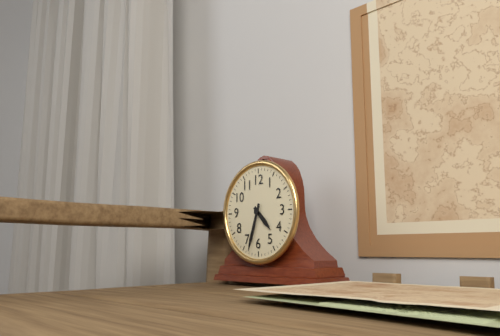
{"hour": 4, "minute": 33}
